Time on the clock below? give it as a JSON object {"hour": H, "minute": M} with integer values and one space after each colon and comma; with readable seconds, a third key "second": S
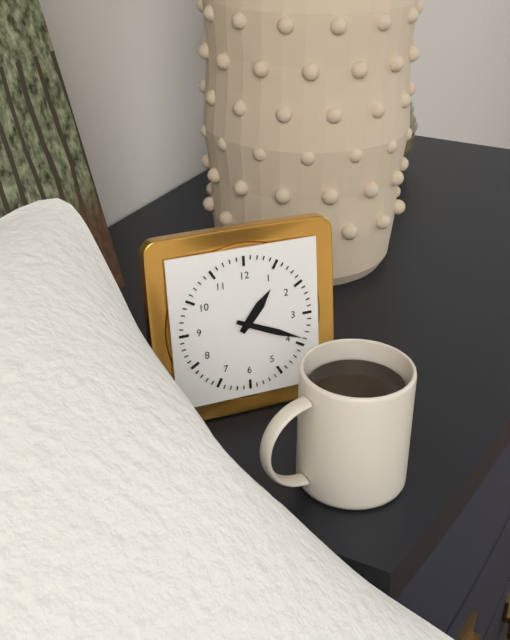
{"hour": 1, "minute": 19}
